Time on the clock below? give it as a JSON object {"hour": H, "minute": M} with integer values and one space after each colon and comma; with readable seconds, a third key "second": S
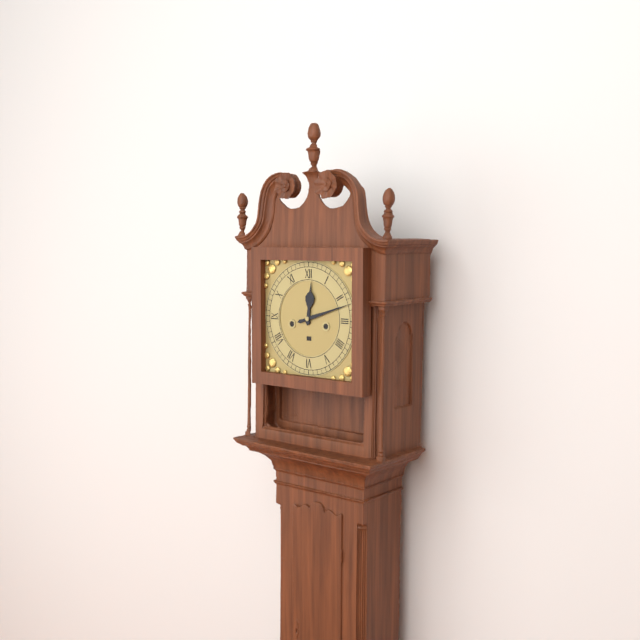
{"hour": 12, "minute": 12}
